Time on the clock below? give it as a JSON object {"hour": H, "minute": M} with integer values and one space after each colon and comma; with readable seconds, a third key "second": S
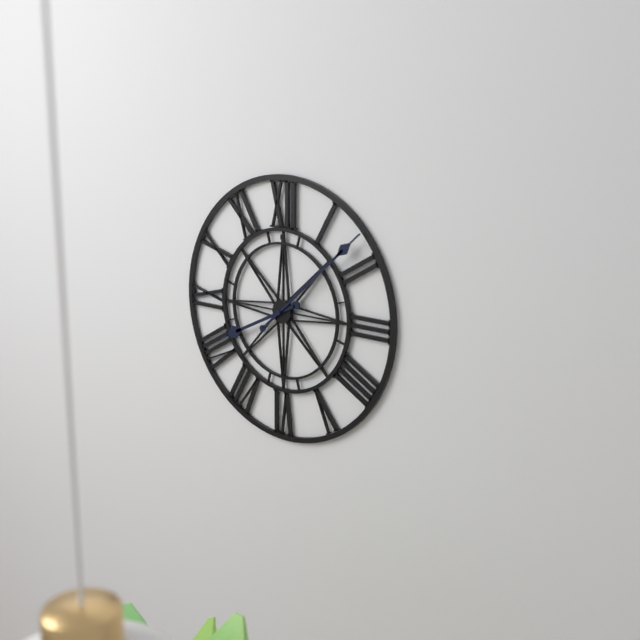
{"hour": 8, "minute": 8}
